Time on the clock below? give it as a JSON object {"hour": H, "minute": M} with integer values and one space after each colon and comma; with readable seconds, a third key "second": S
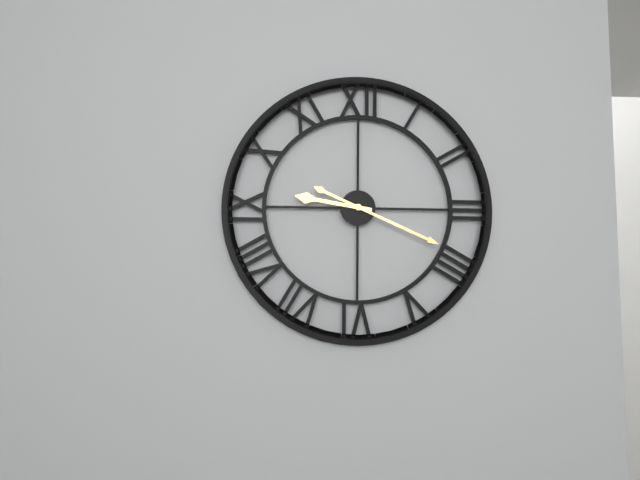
{"hour": 9, "minute": 19}
